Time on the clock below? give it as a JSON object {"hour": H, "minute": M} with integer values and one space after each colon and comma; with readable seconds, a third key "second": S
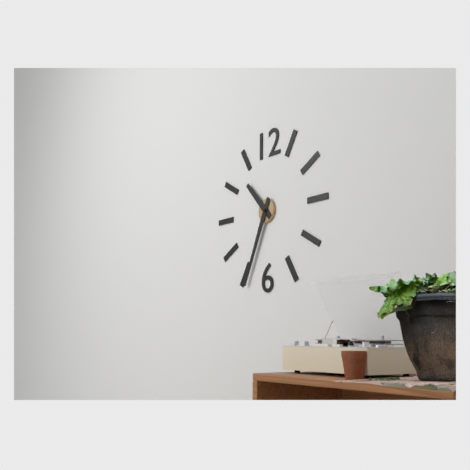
{"hour": 10, "minute": 34}
